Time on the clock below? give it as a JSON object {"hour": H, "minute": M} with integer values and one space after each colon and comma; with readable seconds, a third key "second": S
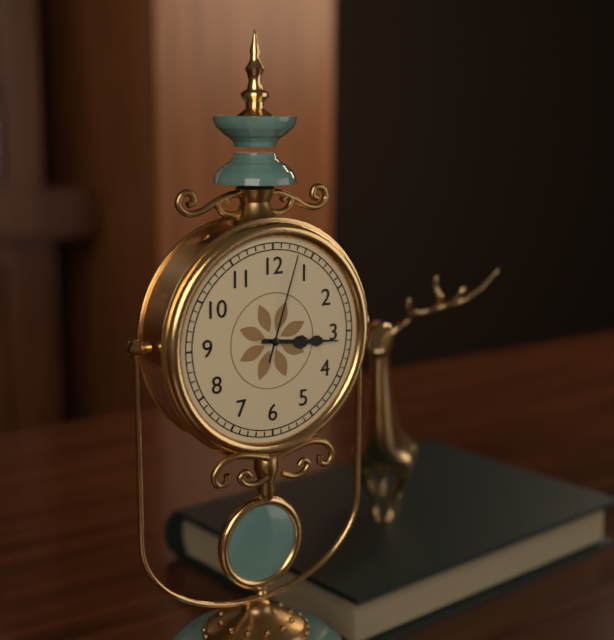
{"hour": 3, "minute": 16, "second": 3}
